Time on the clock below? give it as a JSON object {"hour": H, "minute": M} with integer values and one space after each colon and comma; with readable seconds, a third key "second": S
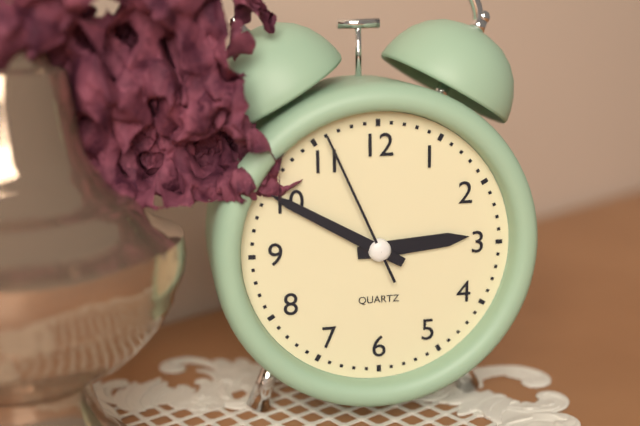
{"hour": 2, "minute": 50, "second": 56}
